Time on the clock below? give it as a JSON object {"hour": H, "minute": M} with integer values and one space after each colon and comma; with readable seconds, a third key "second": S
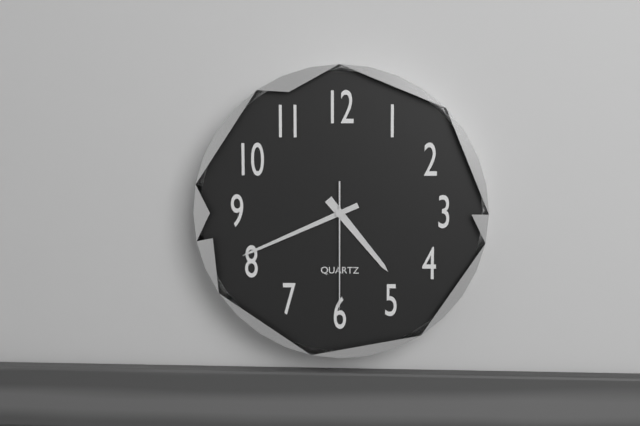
{"hour": 4, "minute": 41, "second": 30}
